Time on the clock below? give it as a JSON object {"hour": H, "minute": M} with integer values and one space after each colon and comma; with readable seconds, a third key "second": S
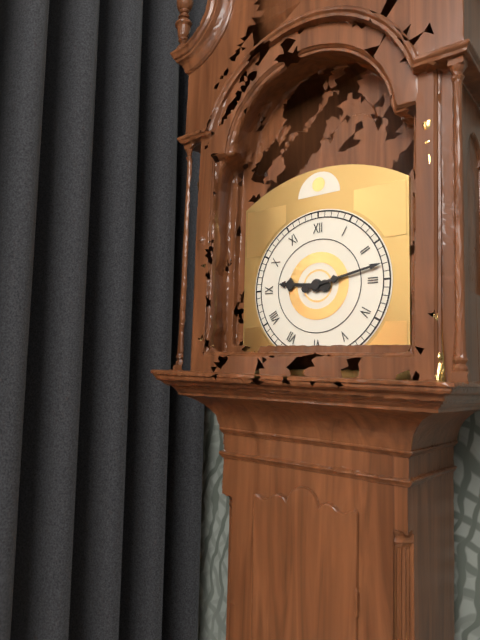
{"hour": 9, "minute": 13}
